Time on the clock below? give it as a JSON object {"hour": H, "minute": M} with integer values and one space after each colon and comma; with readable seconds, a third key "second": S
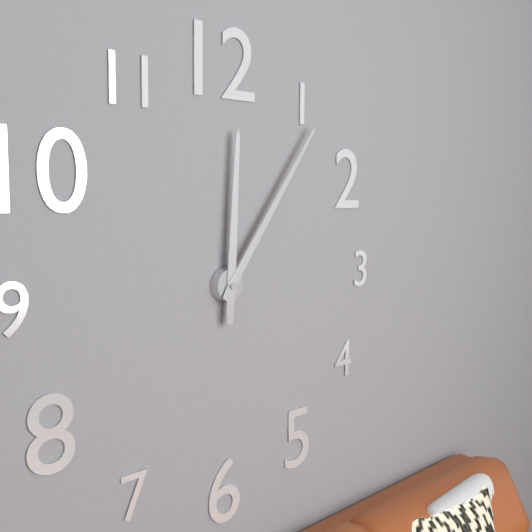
{"hour": 12, "minute": 6}
